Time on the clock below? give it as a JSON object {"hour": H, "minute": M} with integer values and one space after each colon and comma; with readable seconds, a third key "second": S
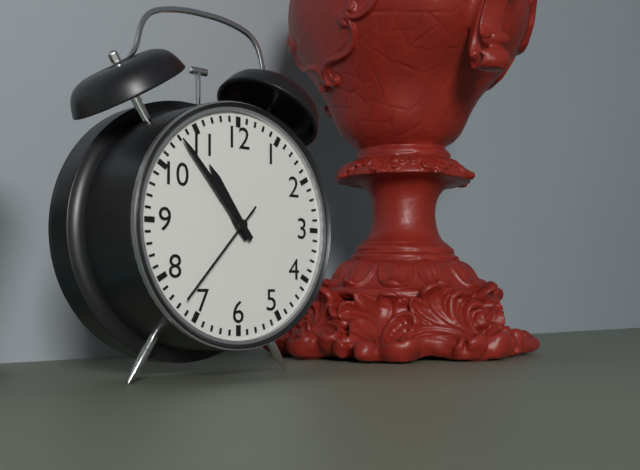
{"hour": 10, "minute": 53, "second": 37}
